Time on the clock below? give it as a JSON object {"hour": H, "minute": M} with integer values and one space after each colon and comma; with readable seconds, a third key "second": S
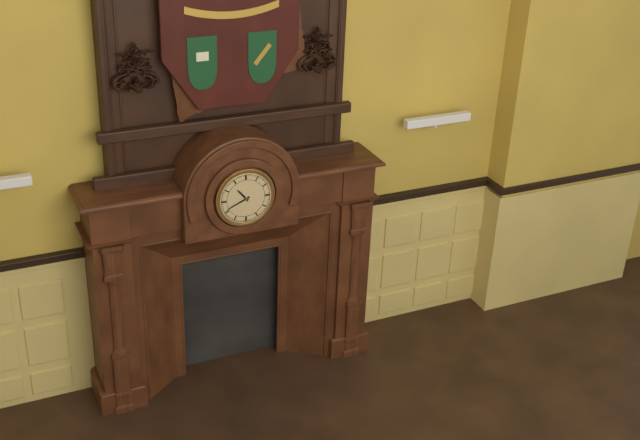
{"hour": 10, "minute": 41}
